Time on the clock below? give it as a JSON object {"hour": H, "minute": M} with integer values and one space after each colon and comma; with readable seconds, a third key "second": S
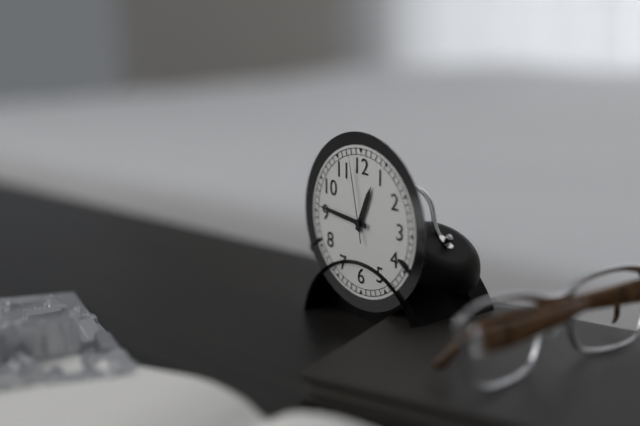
{"hour": 12, "minute": 46, "second": 58}
